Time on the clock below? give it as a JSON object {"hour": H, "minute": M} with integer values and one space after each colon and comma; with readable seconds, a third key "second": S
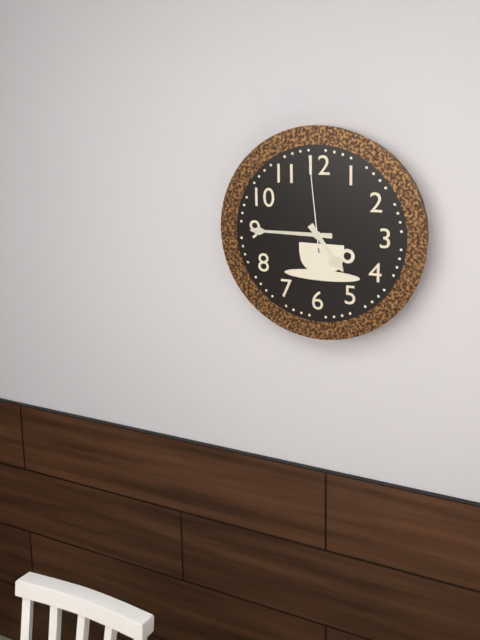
{"hour": 4, "minute": 45, "second": 59}
